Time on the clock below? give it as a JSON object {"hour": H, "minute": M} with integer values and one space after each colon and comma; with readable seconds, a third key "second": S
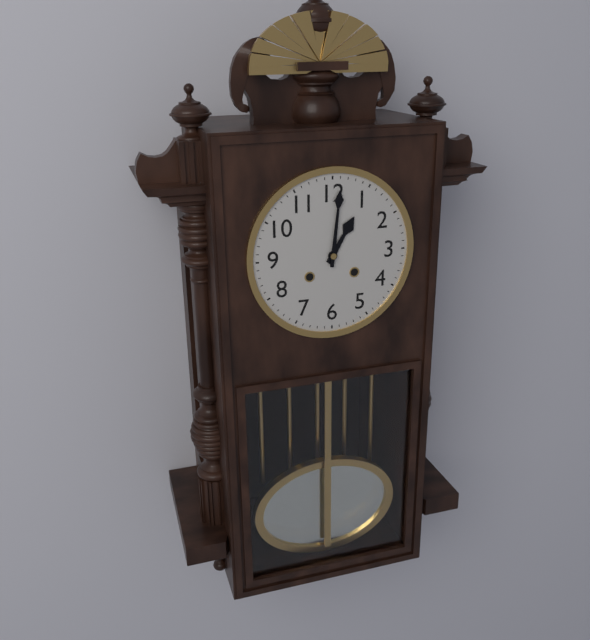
{"hour": 1, "minute": 1}
